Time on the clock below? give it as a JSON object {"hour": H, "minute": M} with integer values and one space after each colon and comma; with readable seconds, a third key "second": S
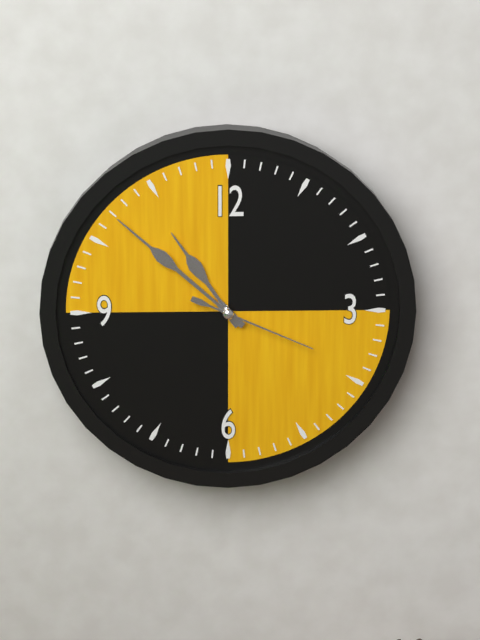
{"hour": 10, "minute": 52, "second": 19}
